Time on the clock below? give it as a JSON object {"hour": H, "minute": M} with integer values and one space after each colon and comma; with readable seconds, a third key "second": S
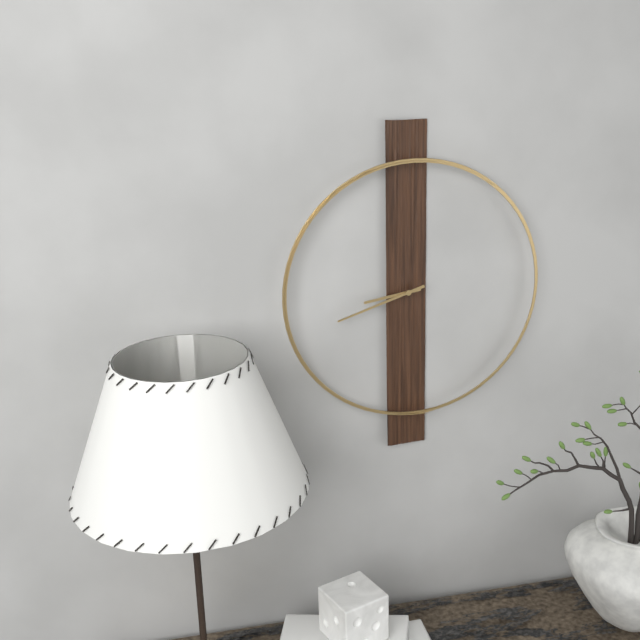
{"hour": 8, "minute": 42}
